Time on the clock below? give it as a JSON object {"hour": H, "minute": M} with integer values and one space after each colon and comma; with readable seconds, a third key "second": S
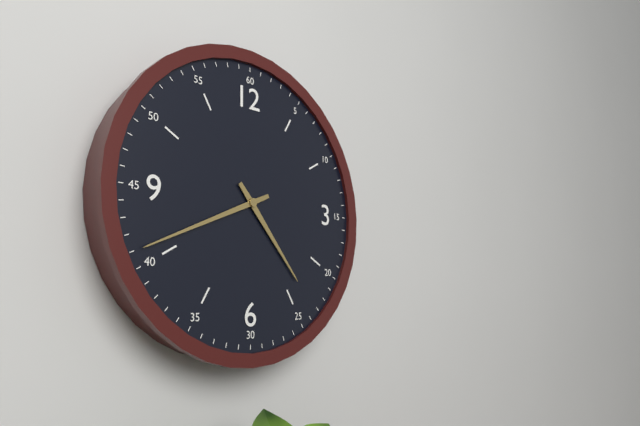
{"hour": 4, "minute": 41}
